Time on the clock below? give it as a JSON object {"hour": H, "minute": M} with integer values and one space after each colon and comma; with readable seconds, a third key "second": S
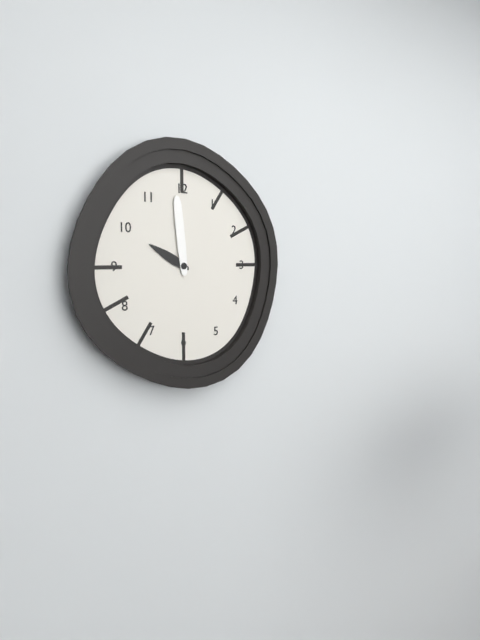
{"hour": 9, "minute": 59}
